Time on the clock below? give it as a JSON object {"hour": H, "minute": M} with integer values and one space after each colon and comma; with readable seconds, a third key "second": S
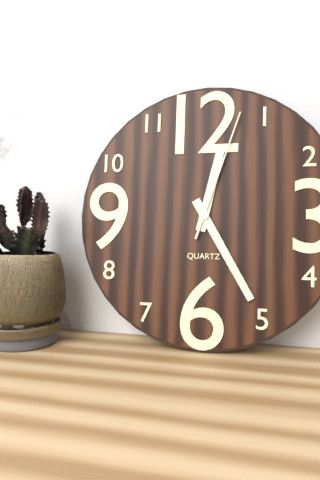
{"hour": 12, "minute": 25, "second": 3}
